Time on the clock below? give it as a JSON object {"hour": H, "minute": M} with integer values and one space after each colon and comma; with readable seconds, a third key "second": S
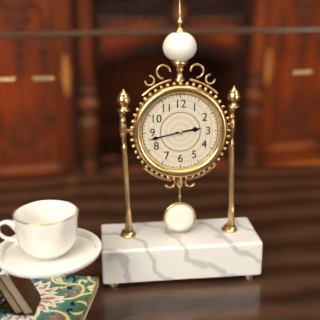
{"hour": 2, "minute": 43}
